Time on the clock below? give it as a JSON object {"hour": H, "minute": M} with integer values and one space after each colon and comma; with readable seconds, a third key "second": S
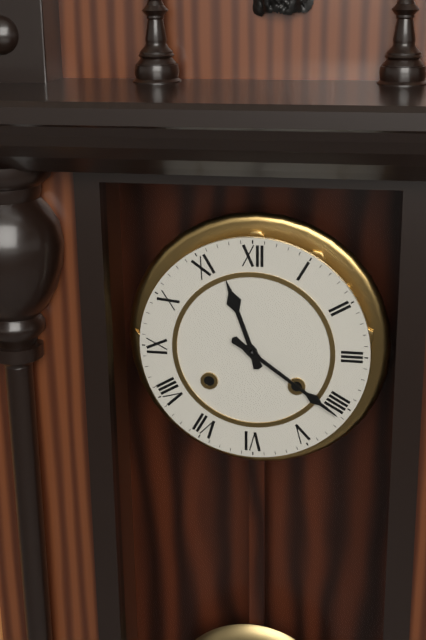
{"hour": 11, "minute": 21}
